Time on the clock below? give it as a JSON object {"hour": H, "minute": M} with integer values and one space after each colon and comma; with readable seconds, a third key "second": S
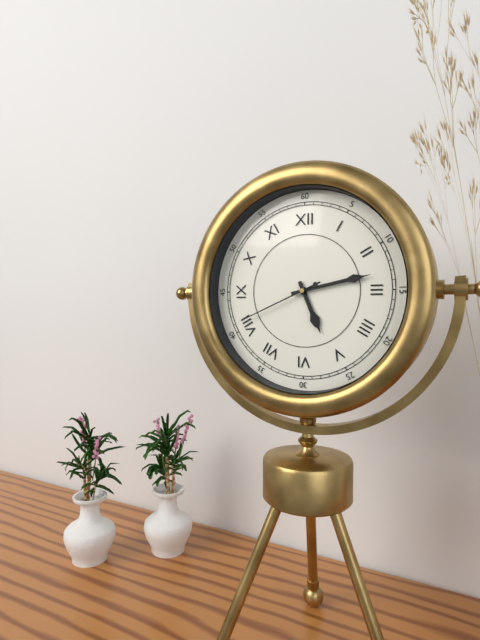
{"hour": 5, "minute": 13, "second": 41}
